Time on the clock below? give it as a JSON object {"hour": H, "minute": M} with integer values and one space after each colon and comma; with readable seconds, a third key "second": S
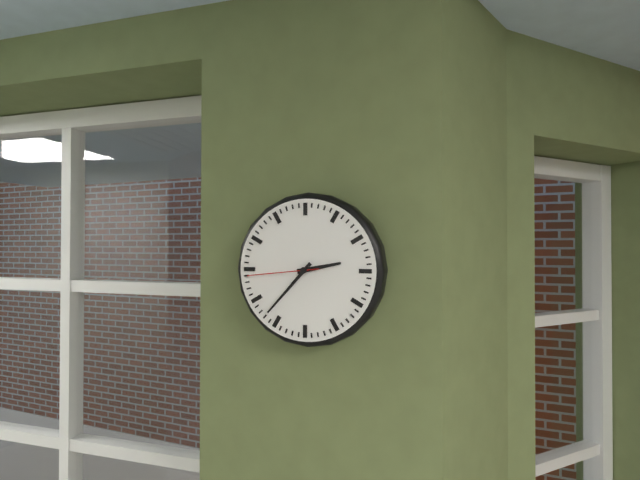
{"hour": 2, "minute": 37, "second": 44}
